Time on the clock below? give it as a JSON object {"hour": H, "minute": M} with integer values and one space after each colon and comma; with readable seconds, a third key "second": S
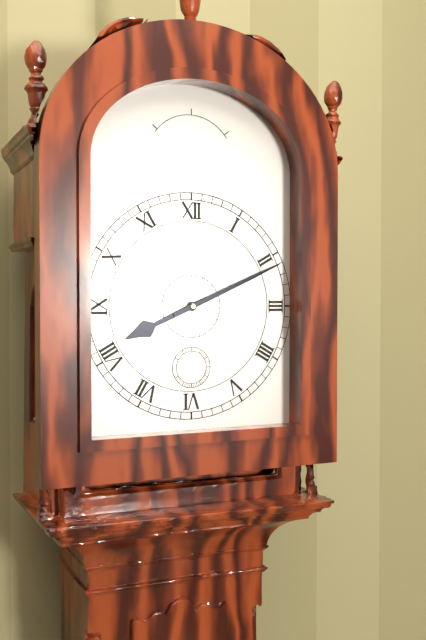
{"hour": 8, "minute": 11}
